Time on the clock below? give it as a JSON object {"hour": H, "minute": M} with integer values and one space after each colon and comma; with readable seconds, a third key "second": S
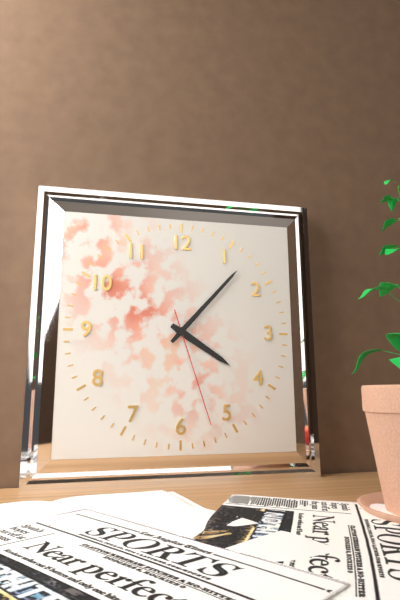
{"hour": 4, "minute": 7, "second": 27}
